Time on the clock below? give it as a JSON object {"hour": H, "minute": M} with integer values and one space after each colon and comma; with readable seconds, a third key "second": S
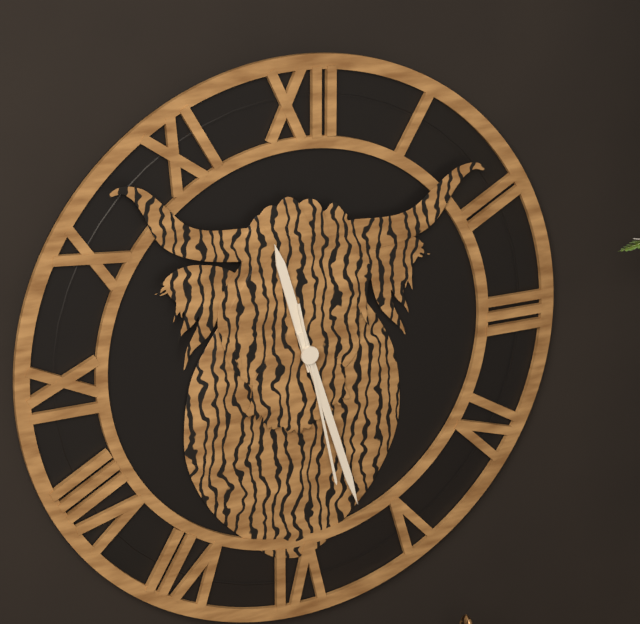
{"hour": 11, "minute": 27, "second": 28}
